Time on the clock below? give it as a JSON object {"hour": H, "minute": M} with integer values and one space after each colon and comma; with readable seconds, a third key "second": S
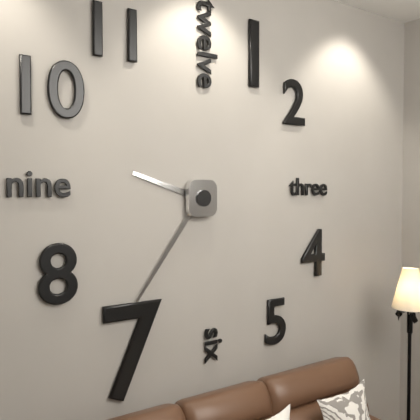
{"hour": 9, "minute": 36}
